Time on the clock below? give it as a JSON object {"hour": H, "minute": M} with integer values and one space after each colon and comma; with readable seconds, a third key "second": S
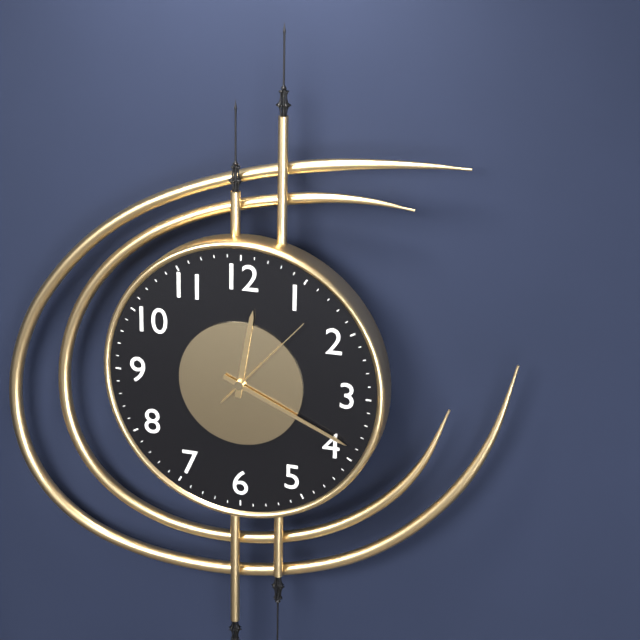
{"hour": 12, "minute": 19, "second": 7}
